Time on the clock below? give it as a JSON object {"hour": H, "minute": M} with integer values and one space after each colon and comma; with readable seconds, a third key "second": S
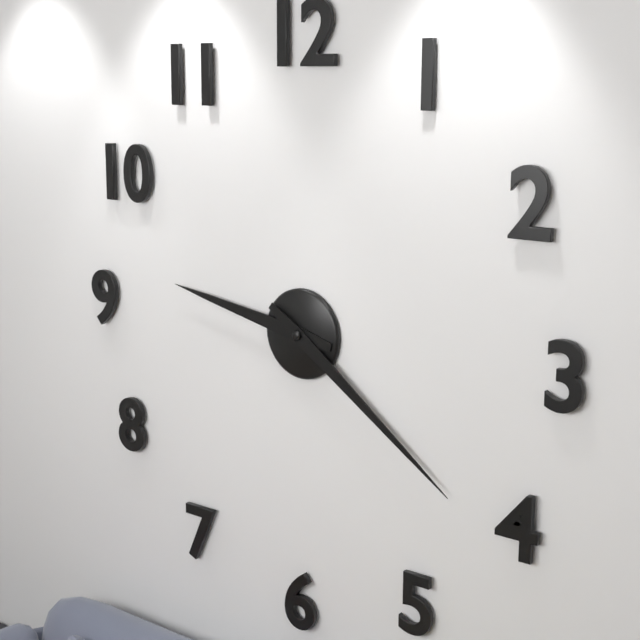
{"hour": 9, "minute": 21}
